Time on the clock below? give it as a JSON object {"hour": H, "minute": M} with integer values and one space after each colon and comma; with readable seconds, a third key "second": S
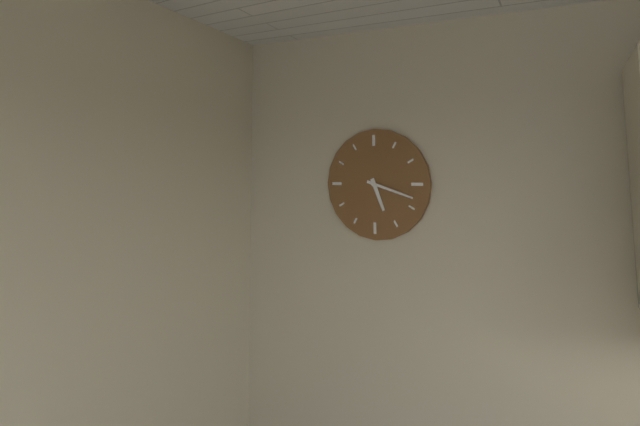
{"hour": 5, "minute": 18}
